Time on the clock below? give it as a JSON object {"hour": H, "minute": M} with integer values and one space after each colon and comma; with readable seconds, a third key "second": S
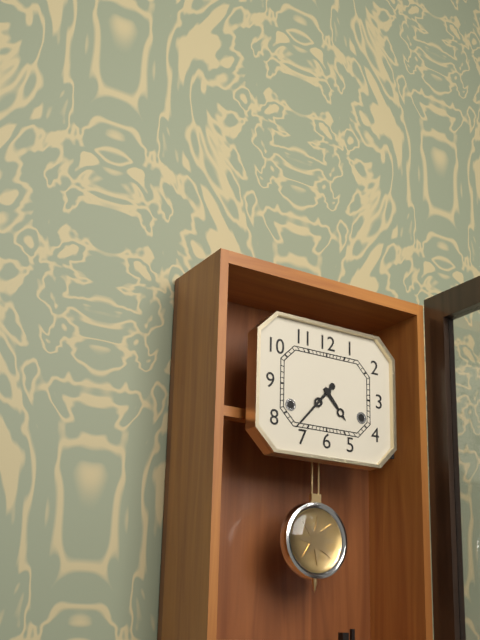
{"hour": 4, "minute": 37}
